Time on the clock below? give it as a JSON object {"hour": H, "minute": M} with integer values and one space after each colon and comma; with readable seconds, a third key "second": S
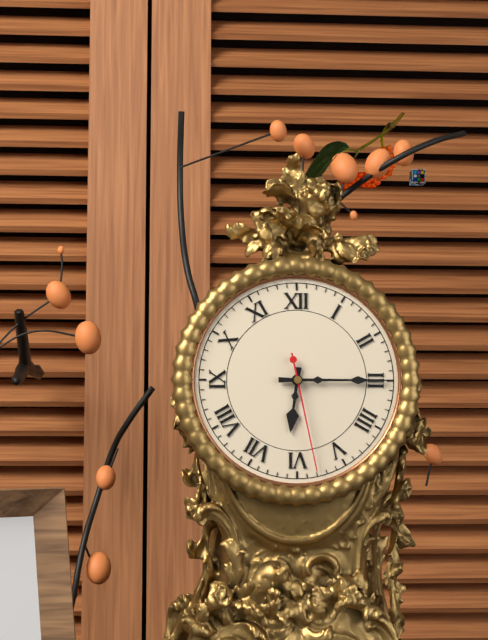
{"hour": 6, "minute": 15, "second": 28}
